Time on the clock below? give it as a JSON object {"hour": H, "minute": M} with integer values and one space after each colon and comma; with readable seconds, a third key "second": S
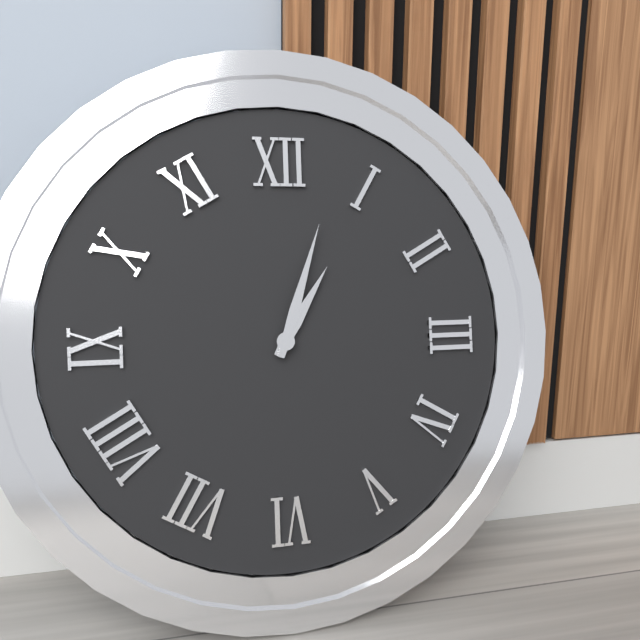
{"hour": 1, "minute": 3}
